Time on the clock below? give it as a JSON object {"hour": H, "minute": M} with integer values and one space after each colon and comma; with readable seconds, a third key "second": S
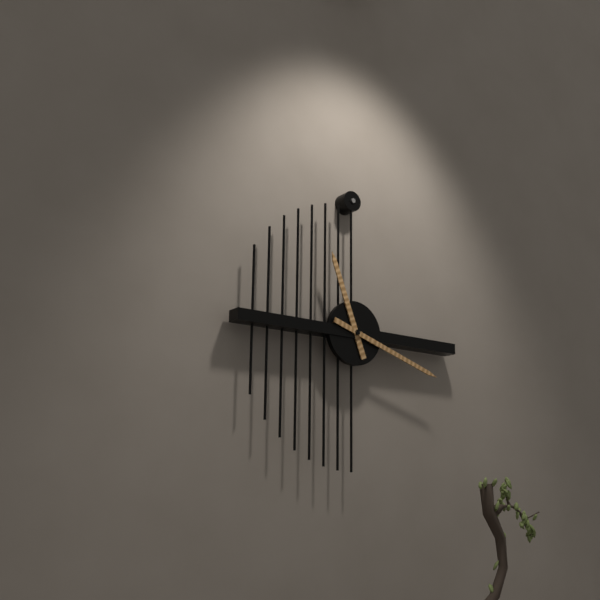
{"hour": 11, "minute": 18}
